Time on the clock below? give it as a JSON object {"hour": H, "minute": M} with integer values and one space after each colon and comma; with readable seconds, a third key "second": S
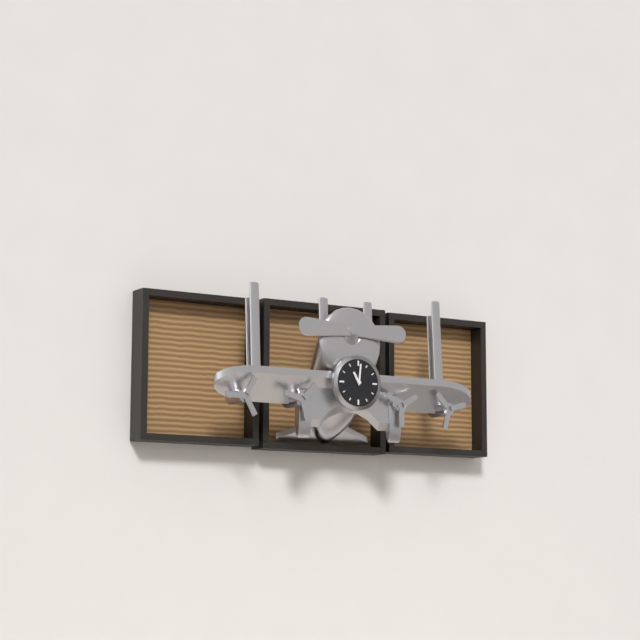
{"hour": 11, "minute": 1}
